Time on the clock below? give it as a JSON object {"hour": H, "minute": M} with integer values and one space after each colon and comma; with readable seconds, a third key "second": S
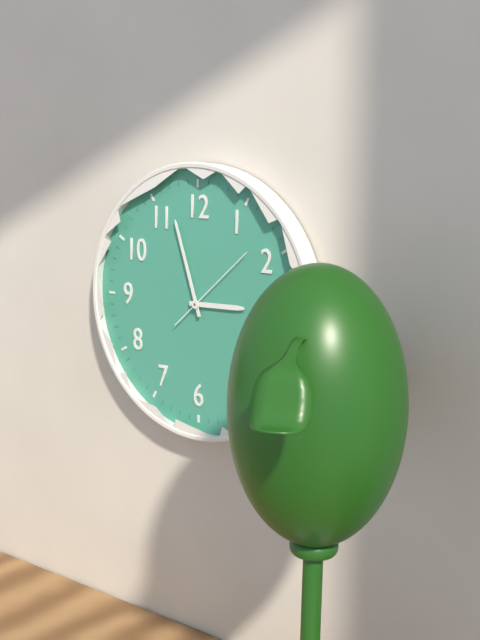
{"hour": 2, "minute": 57, "second": 8}
